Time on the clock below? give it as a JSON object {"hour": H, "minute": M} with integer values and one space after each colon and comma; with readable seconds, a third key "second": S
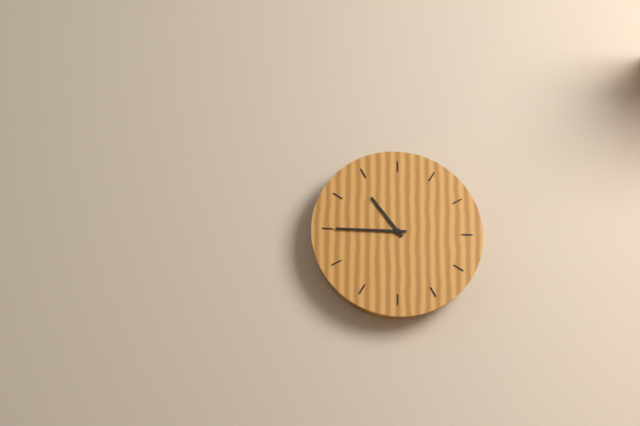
{"hour": 10, "minute": 45}
